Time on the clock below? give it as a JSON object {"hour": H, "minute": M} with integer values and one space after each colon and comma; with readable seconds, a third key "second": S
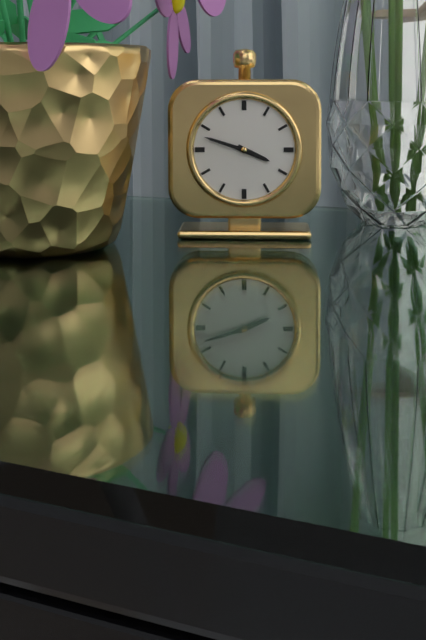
{"hour": 3, "minute": 48}
